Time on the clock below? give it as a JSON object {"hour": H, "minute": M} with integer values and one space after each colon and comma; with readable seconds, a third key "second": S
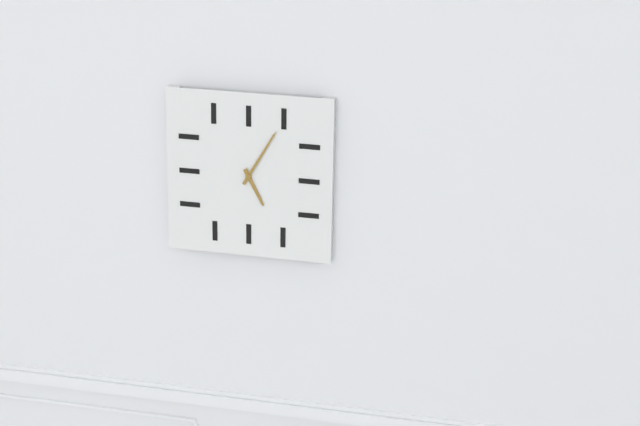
{"hour": 5, "minute": 5}
